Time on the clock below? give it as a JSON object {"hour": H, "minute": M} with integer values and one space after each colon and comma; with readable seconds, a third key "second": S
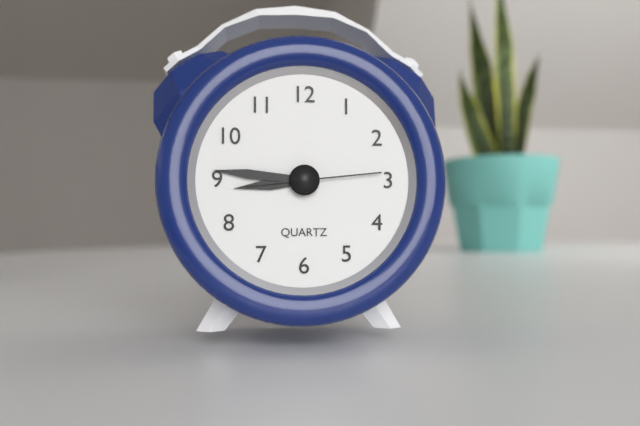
{"hour": 8, "minute": 46, "second": 14}
